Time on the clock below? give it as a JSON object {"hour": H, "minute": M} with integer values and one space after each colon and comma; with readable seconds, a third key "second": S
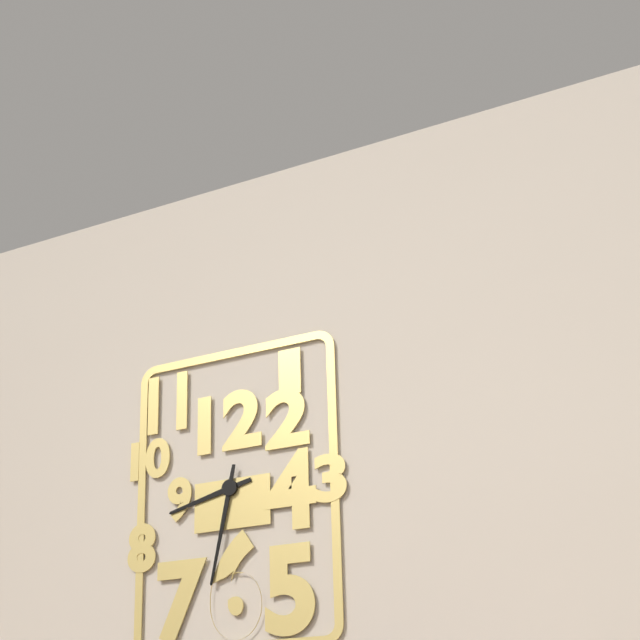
{"hour": 8, "minute": 32}
